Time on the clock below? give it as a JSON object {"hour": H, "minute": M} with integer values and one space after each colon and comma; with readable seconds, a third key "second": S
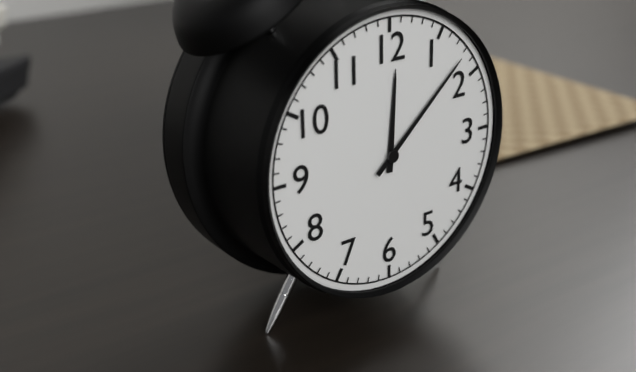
{"hour": 12, "minute": 8}
